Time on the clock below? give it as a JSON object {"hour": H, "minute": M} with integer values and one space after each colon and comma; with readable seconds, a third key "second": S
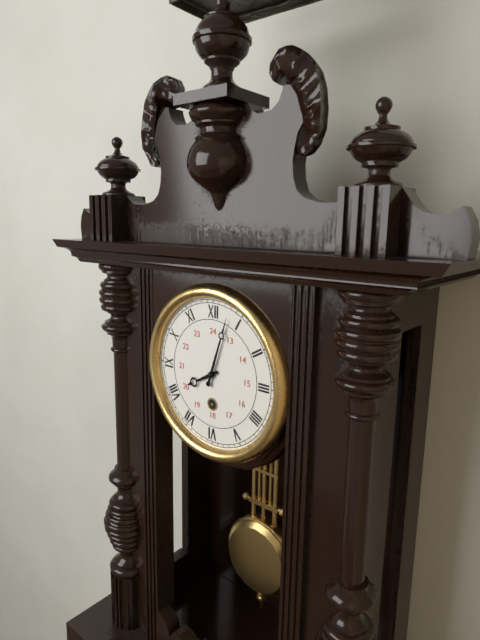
{"hour": 8, "minute": 3}
